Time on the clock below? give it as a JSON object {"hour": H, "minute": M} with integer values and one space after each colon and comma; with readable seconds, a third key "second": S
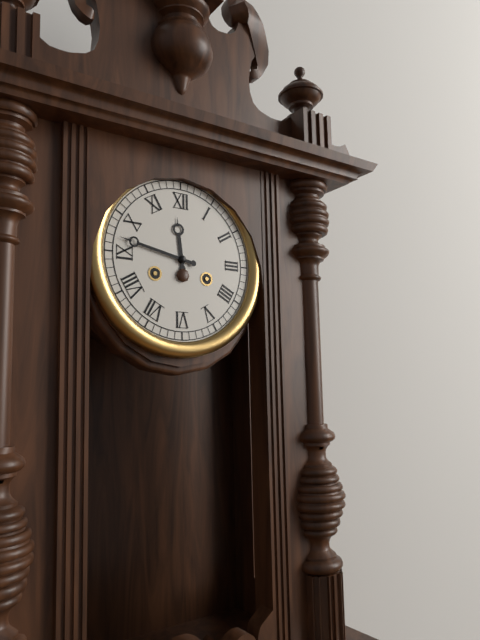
{"hour": 11, "minute": 47}
